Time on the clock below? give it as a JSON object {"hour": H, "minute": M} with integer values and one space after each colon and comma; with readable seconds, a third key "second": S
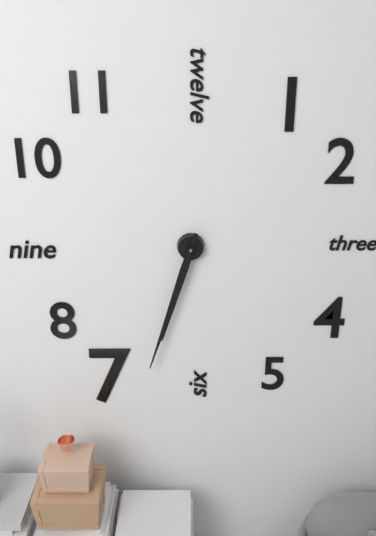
{"hour": 6, "minute": 33}
